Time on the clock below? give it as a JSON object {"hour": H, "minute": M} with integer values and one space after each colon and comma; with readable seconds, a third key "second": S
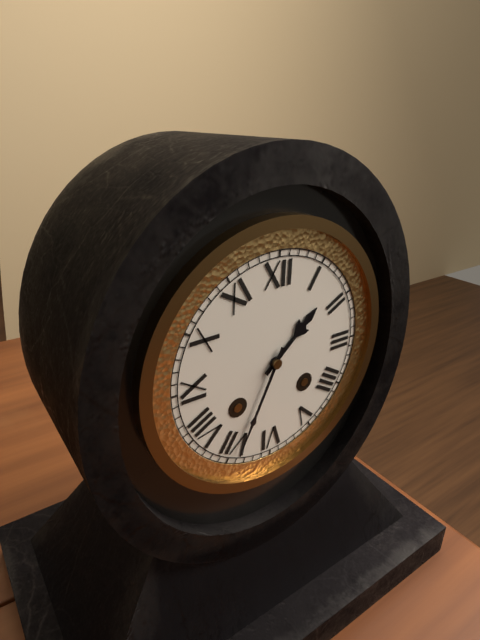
{"hour": 1, "minute": 34}
